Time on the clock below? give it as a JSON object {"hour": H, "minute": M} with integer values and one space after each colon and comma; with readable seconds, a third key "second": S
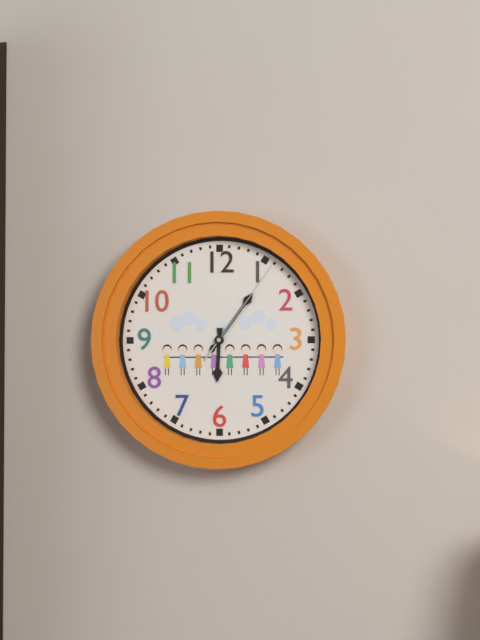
{"hour": 6, "minute": 6, "second": 6}
